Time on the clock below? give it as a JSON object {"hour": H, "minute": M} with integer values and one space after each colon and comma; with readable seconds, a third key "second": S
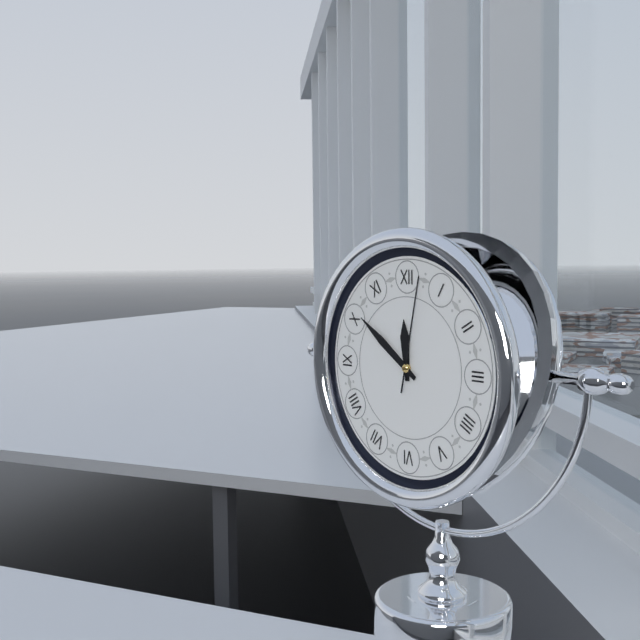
{"hour": 11, "minute": 51, "second": 2}
